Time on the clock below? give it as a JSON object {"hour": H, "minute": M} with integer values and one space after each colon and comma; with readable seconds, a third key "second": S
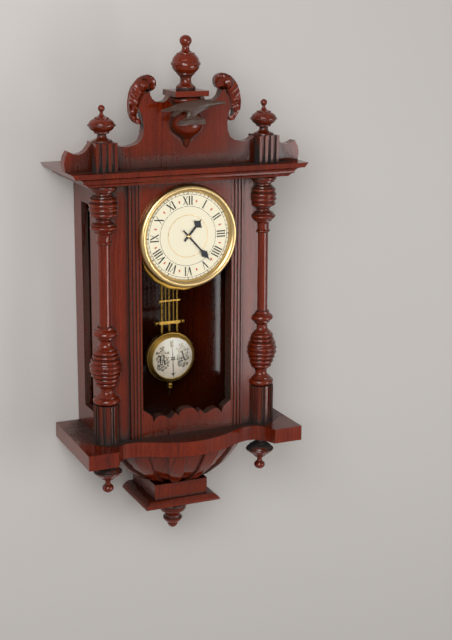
{"hour": 1, "minute": 23}
